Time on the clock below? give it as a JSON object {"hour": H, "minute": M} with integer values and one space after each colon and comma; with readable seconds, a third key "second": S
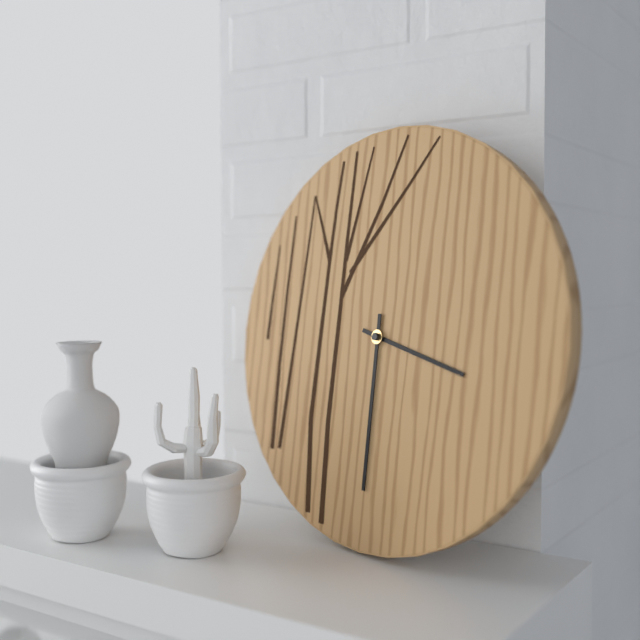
{"hour": 3, "minute": 30}
